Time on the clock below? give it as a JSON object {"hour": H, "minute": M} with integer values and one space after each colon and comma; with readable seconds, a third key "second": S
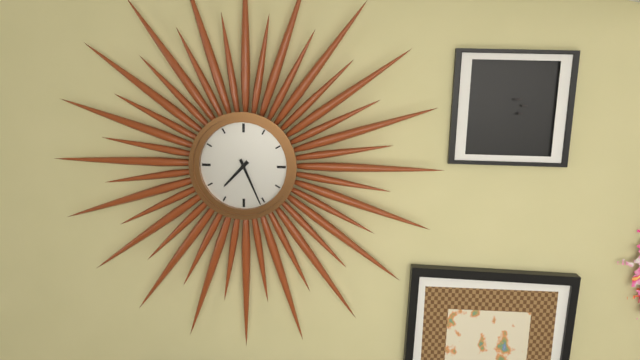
{"hour": 7, "minute": 26}
